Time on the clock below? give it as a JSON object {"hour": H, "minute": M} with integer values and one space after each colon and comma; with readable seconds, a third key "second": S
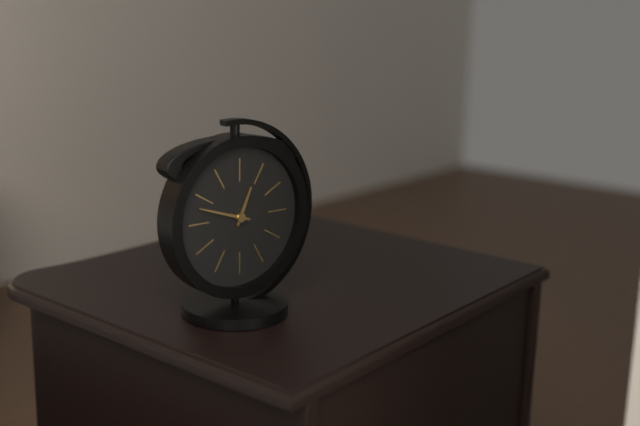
{"hour": 12, "minute": 48}
